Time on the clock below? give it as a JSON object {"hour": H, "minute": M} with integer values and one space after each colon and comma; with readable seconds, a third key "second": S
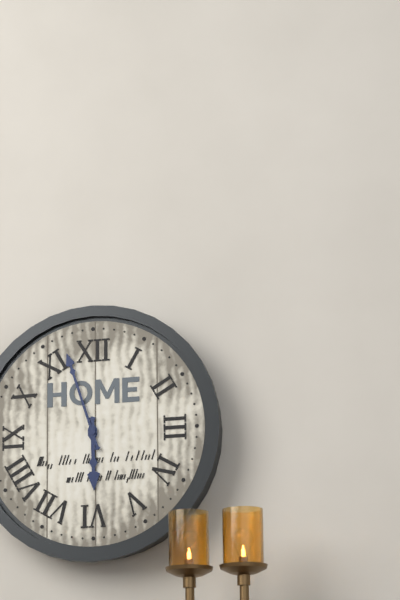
{"hour": 5, "minute": 57}
